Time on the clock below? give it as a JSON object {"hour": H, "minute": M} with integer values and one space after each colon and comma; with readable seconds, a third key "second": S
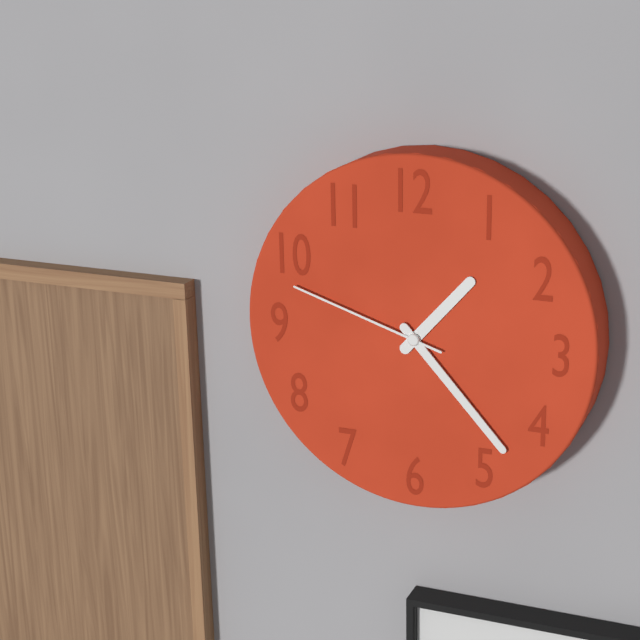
{"hour": 1, "minute": 23, "second": 48}
